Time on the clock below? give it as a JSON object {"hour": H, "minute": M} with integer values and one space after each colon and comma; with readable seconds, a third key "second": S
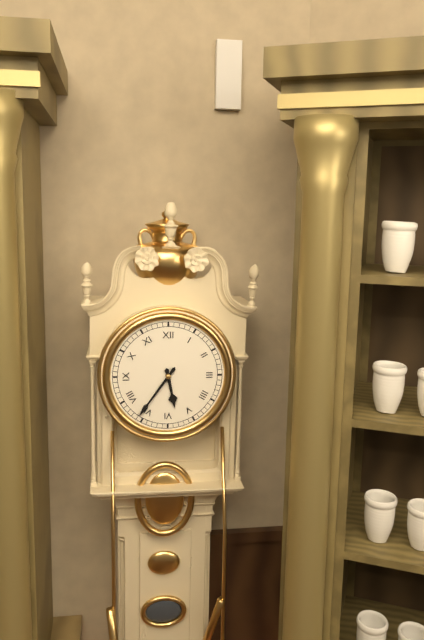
{"hour": 5, "minute": 36}
